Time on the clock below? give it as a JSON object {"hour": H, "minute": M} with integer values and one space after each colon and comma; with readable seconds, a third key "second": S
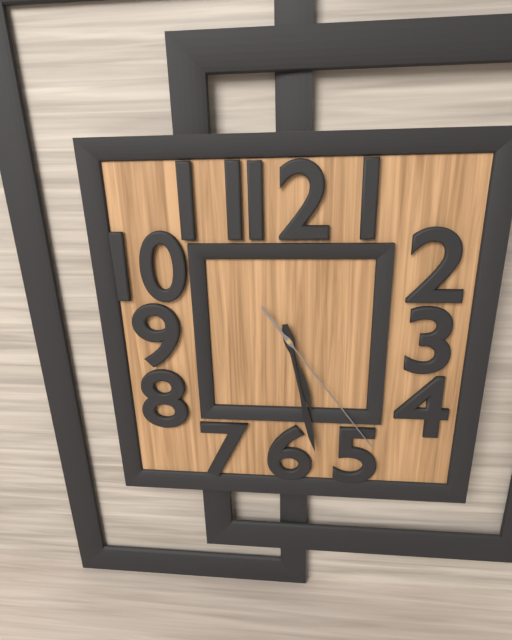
{"hour": 5, "minute": 28, "second": 24}
